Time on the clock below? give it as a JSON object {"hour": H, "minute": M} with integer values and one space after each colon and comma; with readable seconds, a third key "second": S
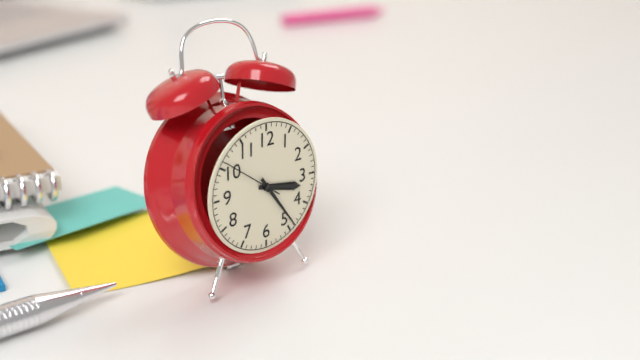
{"hour": 3, "minute": 24, "second": 51}
